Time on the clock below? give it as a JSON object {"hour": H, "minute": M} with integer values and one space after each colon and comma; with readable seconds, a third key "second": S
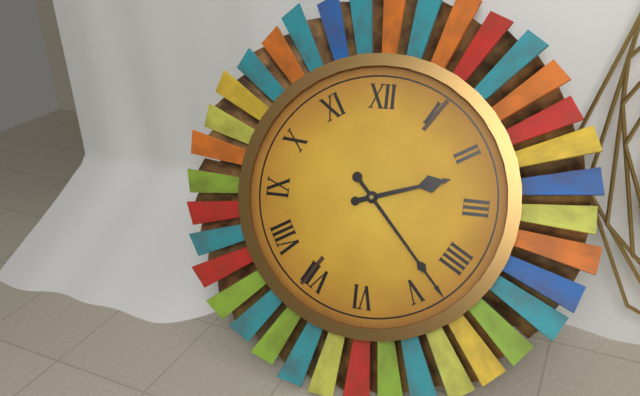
{"hour": 2, "minute": 23}
